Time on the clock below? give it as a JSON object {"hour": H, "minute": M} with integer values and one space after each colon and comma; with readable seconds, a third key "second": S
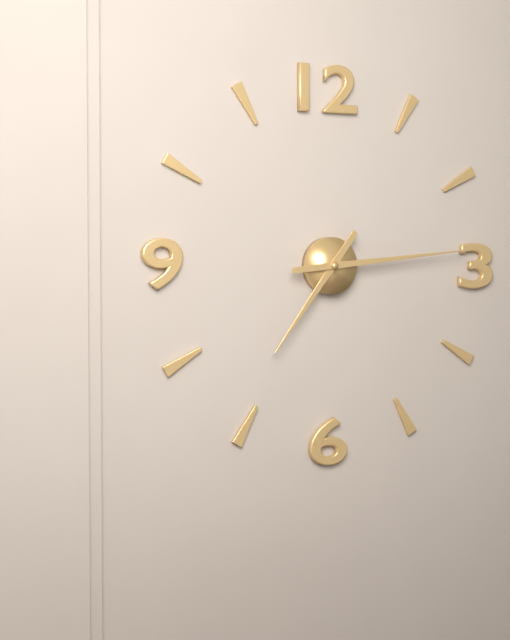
{"hour": 7, "minute": 14}
